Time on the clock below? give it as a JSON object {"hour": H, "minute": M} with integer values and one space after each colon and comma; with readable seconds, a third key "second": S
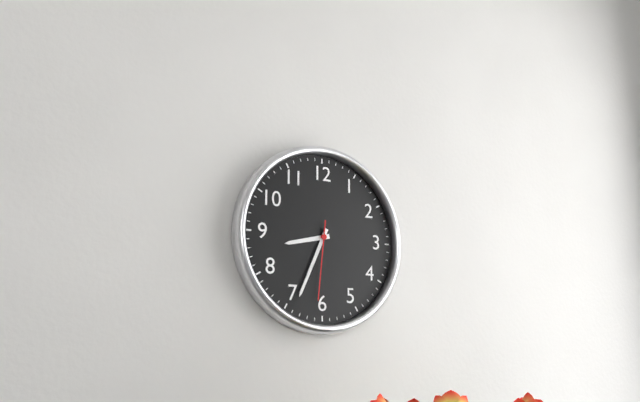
{"hour": 8, "minute": 34, "second": 31}
